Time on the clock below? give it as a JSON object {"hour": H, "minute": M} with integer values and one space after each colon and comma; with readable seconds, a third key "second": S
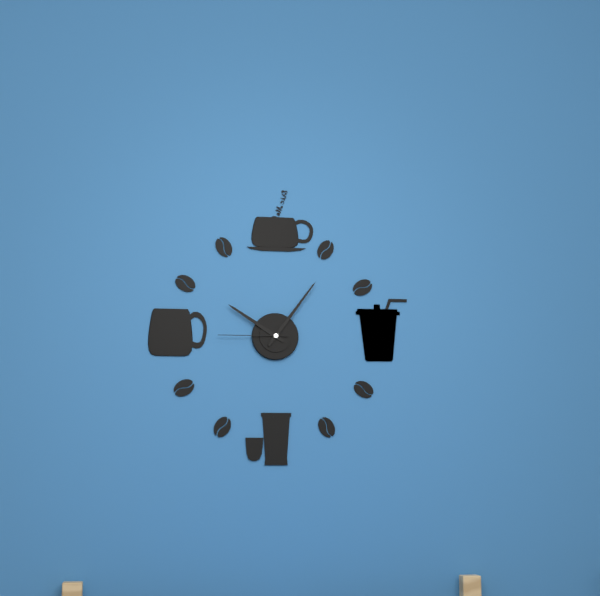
{"hour": 10, "minute": 6, "second": 45}
